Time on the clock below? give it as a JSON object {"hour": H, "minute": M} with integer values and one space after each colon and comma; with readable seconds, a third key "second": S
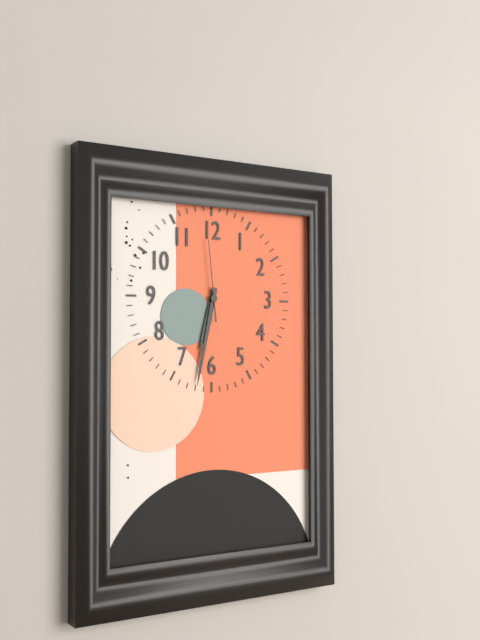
{"hour": 6, "minute": 32, "second": 59}
